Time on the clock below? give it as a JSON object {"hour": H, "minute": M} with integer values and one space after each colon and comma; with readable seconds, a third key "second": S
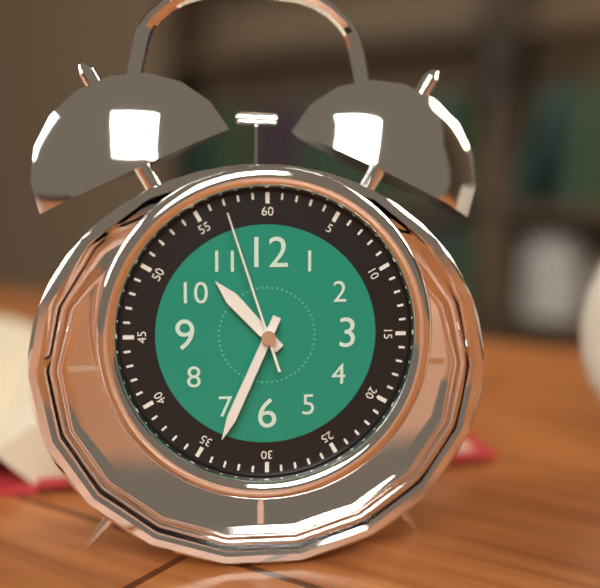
{"hour": 10, "minute": 34, "second": 57}
